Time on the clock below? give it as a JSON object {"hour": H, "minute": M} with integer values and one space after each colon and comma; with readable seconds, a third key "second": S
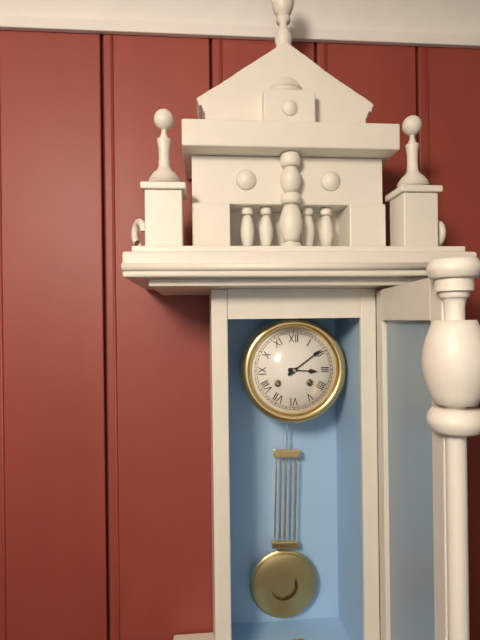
{"hour": 3, "minute": 9}
